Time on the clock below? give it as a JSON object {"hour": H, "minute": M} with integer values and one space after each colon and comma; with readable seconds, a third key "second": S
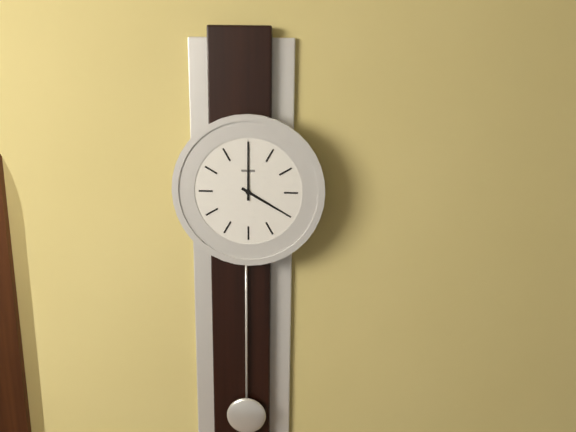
{"hour": 4, "minute": 0}
